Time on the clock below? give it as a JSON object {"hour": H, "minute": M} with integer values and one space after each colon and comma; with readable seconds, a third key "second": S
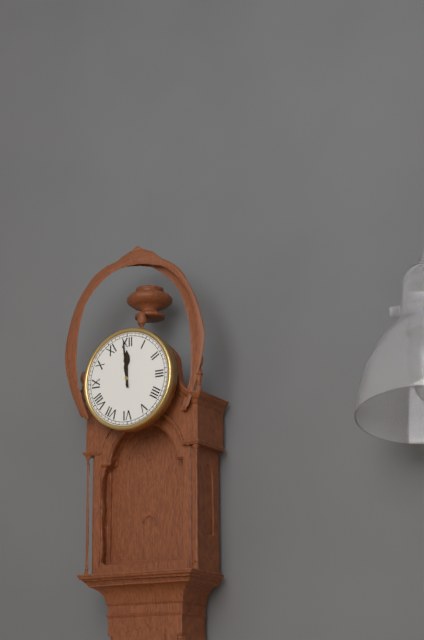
{"hour": 11, "minute": 59}
